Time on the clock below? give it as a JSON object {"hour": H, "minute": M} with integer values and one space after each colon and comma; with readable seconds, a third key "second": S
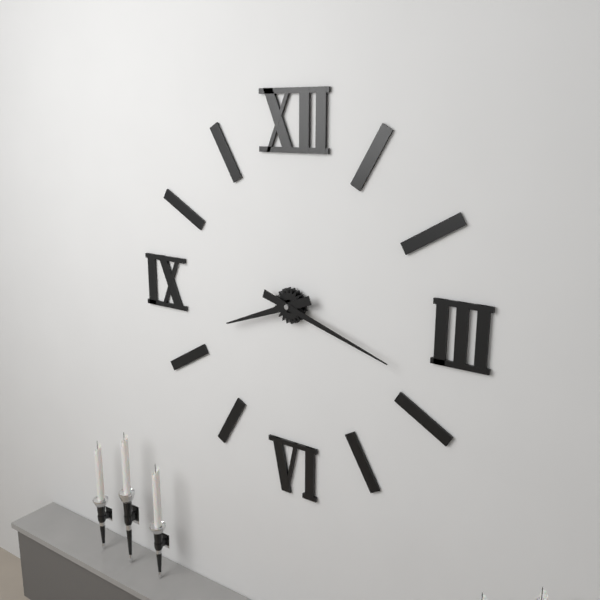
{"hour": 8, "minute": 18}
